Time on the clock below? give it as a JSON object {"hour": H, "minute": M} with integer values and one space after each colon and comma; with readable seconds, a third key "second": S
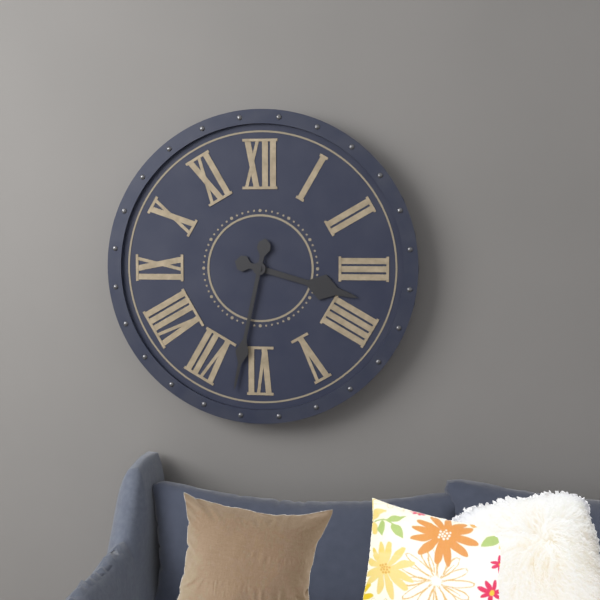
{"hour": 3, "minute": 32}
